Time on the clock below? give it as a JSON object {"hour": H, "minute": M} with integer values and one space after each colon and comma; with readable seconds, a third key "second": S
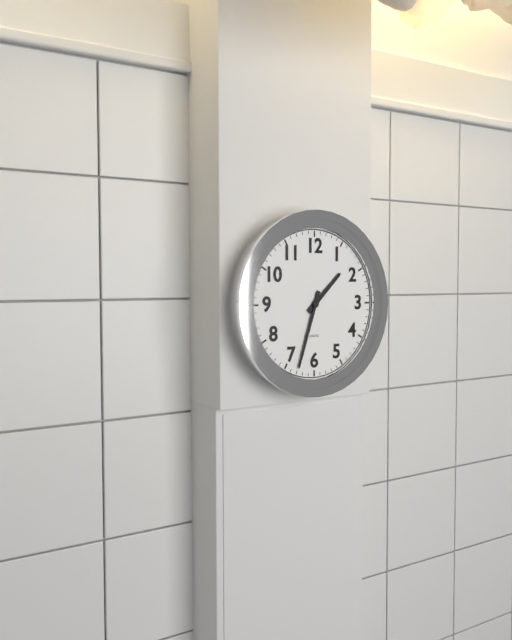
{"hour": 1, "minute": 33}
